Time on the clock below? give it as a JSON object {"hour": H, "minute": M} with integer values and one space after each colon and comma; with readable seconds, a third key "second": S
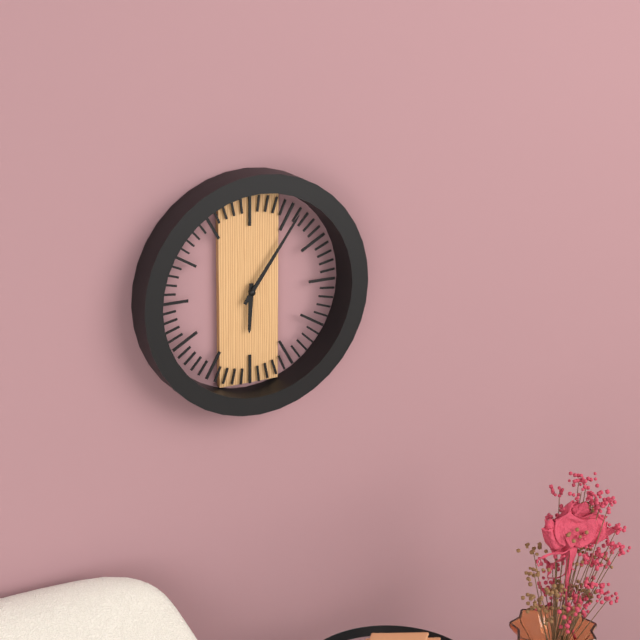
{"hour": 6, "minute": 6}
